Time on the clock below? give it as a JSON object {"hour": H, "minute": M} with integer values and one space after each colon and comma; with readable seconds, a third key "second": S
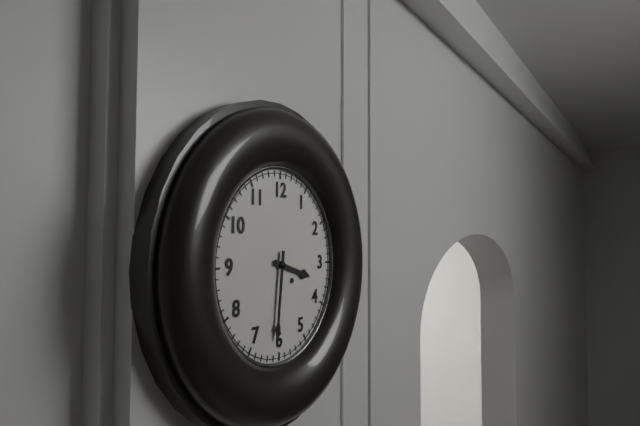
{"hour": 3, "minute": 31}
